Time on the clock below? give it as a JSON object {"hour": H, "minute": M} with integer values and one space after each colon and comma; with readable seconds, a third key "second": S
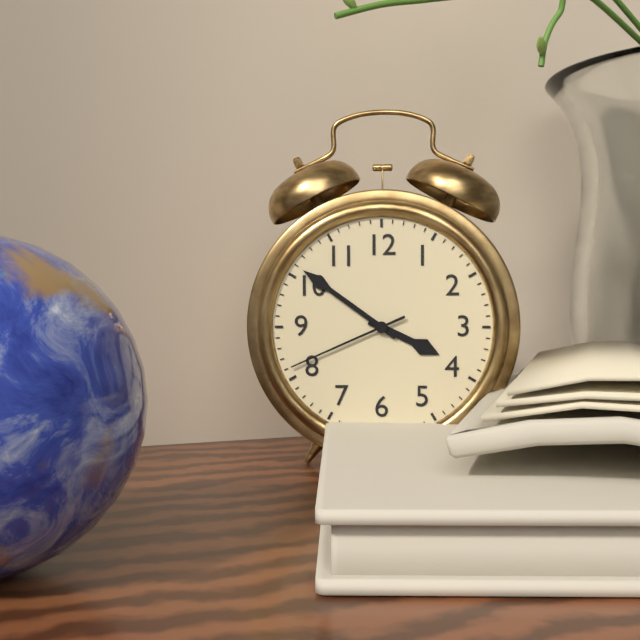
{"hour": 3, "minute": 51, "second": 41}
